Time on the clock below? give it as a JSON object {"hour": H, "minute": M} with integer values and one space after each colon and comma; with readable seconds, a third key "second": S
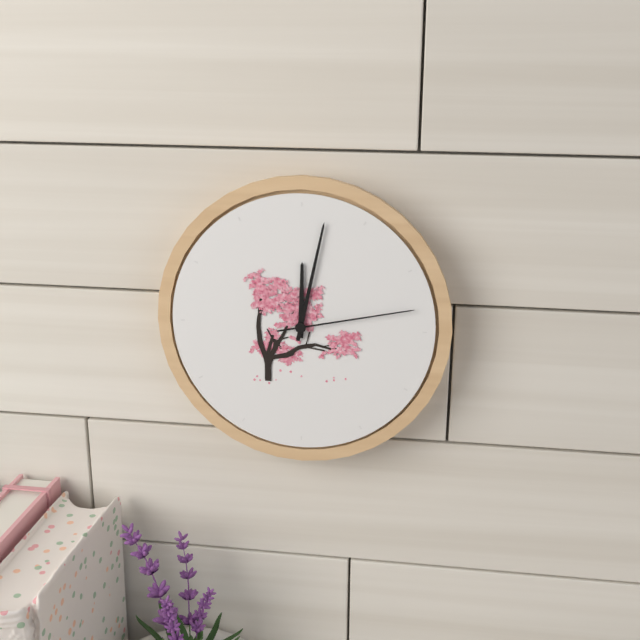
{"hour": 12, "minute": 2, "second": 13}
